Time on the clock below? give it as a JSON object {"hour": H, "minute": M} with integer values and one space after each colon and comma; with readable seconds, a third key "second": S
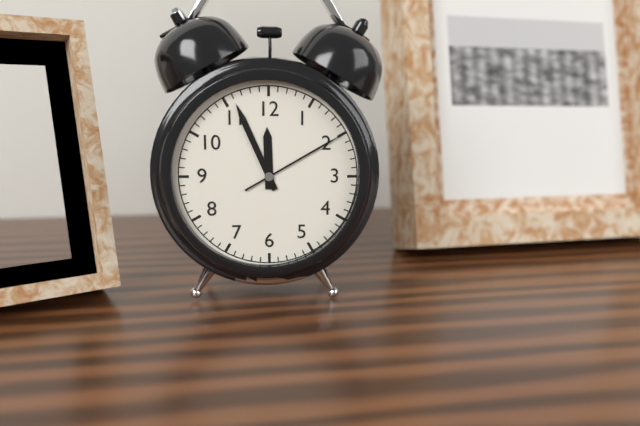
{"hour": 11, "minute": 56, "second": 10}
